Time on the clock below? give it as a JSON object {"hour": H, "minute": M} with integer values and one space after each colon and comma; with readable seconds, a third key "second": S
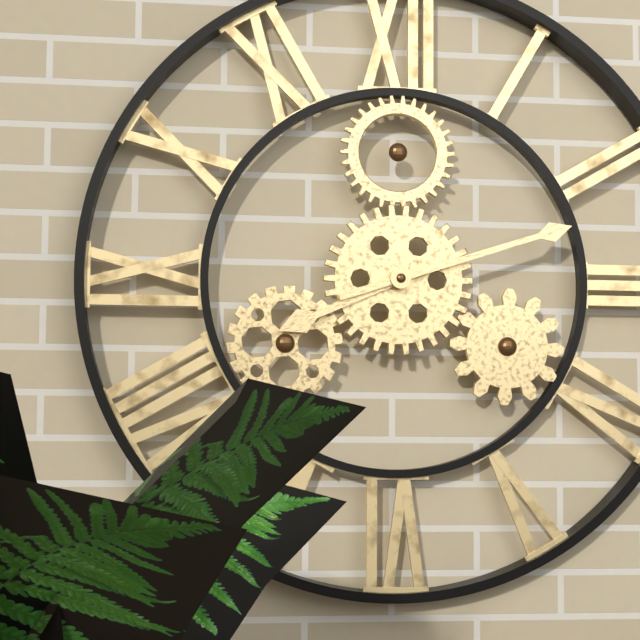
{"hour": 8, "minute": 12}
